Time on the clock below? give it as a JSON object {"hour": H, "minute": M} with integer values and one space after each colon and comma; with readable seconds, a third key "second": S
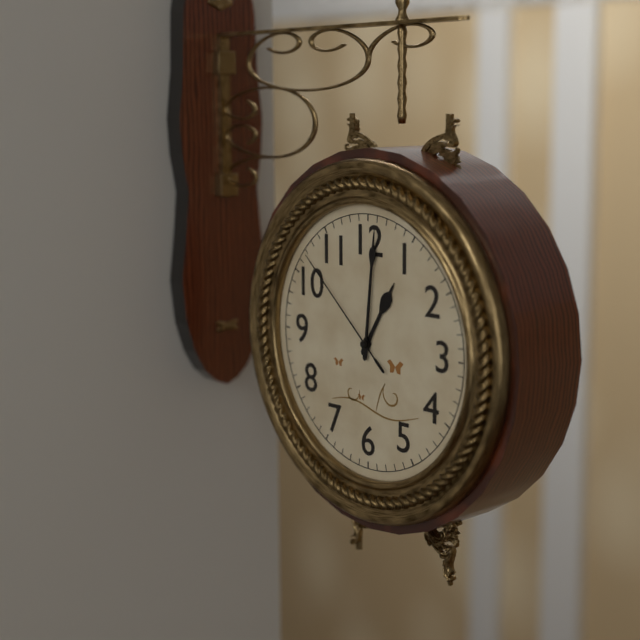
{"hour": 1, "minute": 1, "second": 52}
